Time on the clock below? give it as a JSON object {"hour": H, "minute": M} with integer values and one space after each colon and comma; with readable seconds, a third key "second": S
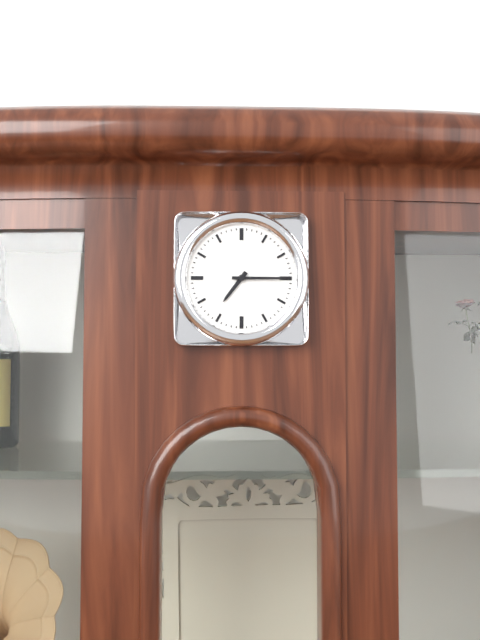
{"hour": 7, "minute": 15}
